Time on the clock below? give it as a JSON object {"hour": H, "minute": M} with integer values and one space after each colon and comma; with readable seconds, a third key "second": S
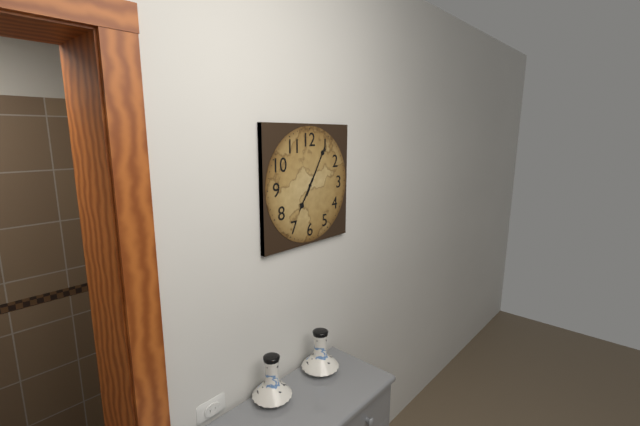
{"hour": 7, "minute": 5}
